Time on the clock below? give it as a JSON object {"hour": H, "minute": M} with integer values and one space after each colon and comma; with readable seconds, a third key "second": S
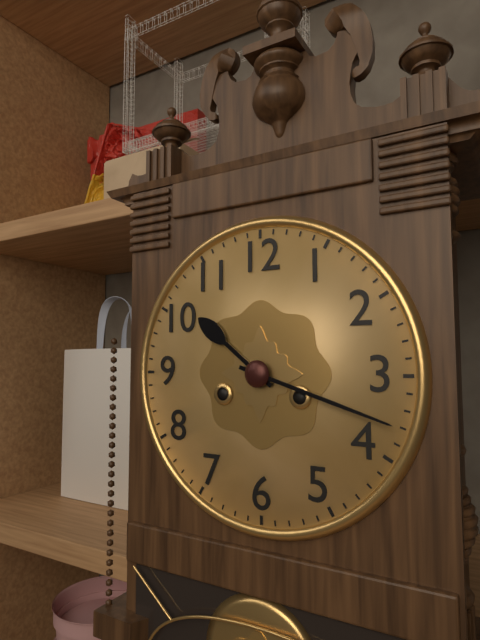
{"hour": 10, "minute": 18}
